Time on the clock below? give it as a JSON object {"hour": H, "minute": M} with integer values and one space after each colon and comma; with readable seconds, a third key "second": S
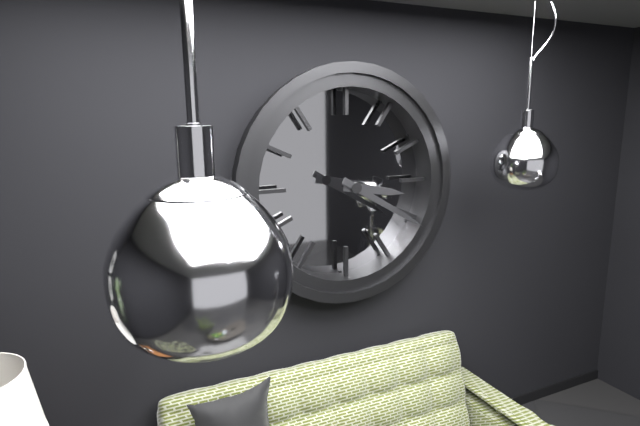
{"hour": 3, "minute": 20}
